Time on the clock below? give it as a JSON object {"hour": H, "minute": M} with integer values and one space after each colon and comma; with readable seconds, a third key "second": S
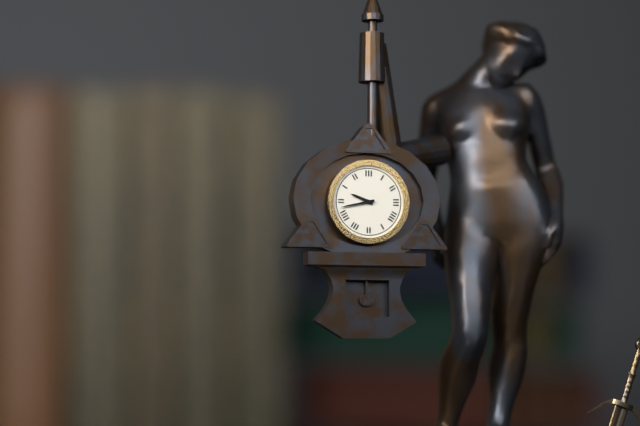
{"hour": 9, "minute": 43}
